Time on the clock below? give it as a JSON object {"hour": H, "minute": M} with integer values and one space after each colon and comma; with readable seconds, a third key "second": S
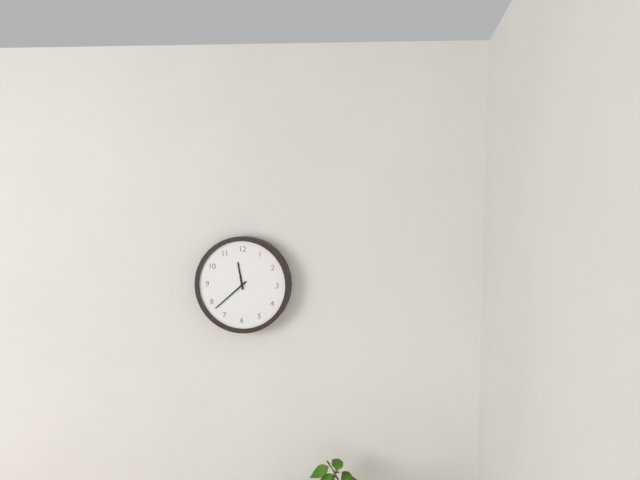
{"hour": 11, "minute": 38}
